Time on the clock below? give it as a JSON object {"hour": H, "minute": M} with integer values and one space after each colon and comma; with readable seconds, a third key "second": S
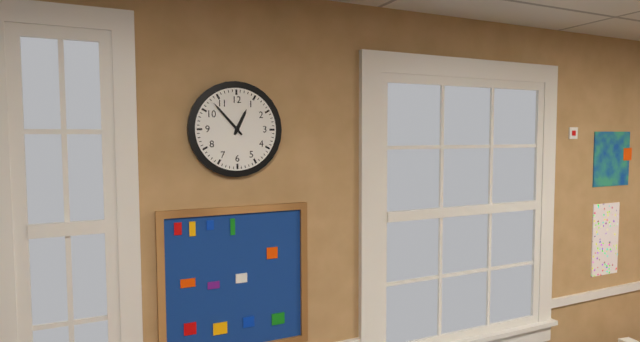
{"hour": 12, "minute": 53}
